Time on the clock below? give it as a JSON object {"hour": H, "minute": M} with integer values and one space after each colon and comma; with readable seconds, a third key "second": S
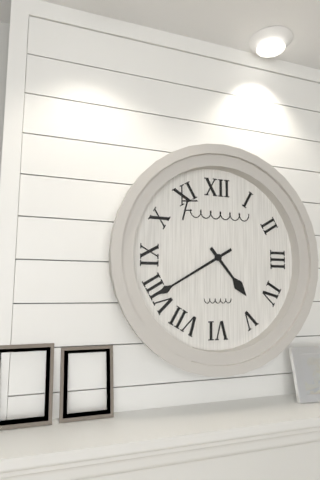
{"hour": 4, "minute": 40}
